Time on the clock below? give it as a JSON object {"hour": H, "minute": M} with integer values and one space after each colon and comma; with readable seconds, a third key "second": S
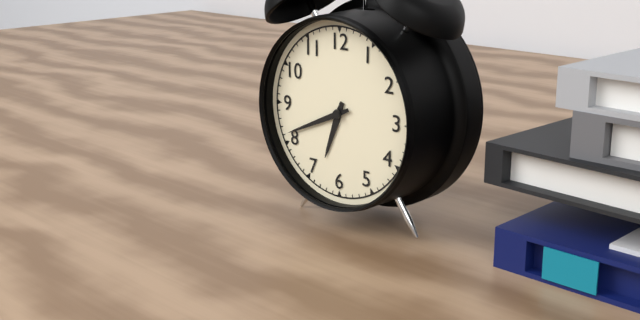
{"hour": 6, "minute": 41}
